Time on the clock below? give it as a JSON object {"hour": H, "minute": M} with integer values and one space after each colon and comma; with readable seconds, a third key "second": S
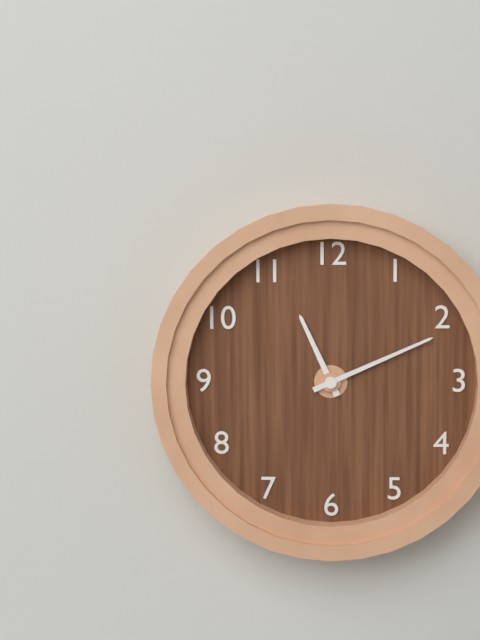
{"hour": 11, "minute": 11}
